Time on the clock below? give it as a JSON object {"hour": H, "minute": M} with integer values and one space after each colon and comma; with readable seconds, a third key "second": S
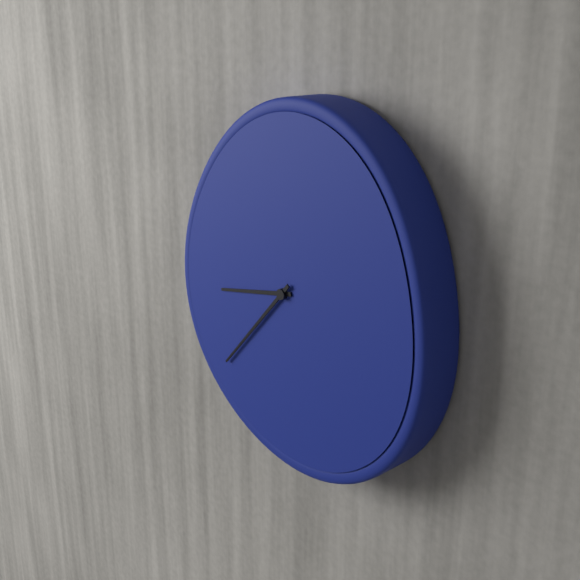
{"hour": 8, "minute": 37}
